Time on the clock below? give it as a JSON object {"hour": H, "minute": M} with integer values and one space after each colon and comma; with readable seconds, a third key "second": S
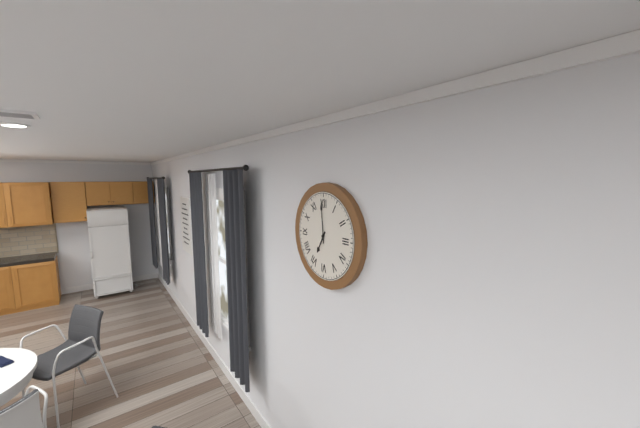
{"hour": 6, "minute": 59}
